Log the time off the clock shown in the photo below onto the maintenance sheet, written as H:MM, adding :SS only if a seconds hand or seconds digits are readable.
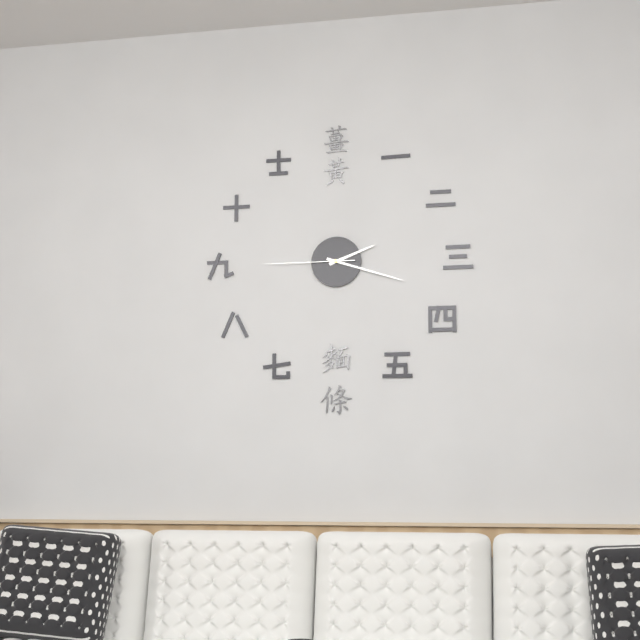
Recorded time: 2:18:45
